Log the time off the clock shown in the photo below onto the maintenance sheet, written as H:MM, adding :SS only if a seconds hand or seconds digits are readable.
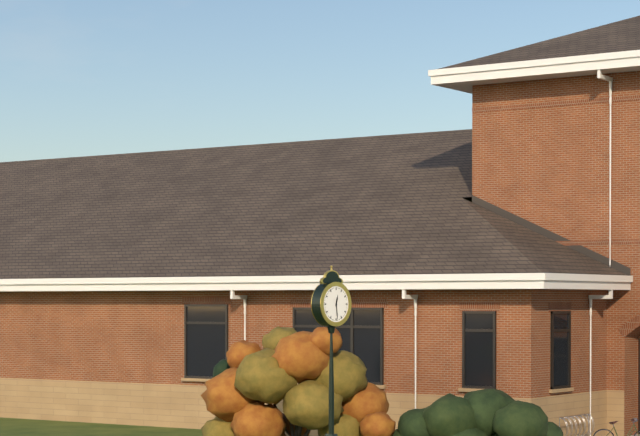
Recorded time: 12:29
